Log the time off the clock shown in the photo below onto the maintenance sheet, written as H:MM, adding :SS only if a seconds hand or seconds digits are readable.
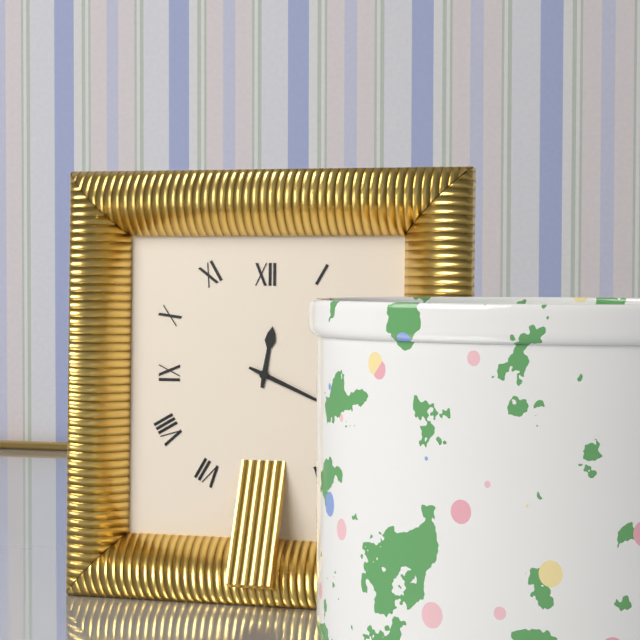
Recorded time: 12:19
